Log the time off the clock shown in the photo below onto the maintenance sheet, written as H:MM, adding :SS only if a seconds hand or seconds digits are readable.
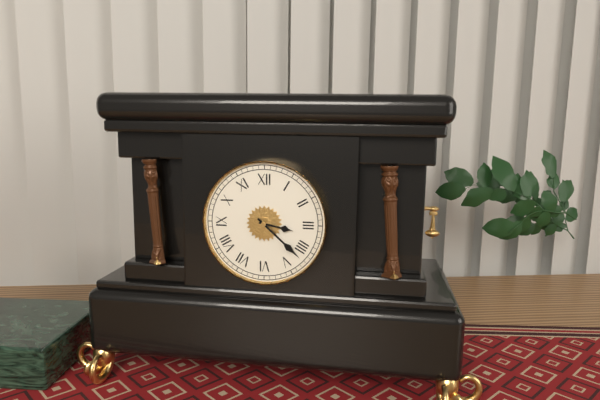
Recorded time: 3:22
